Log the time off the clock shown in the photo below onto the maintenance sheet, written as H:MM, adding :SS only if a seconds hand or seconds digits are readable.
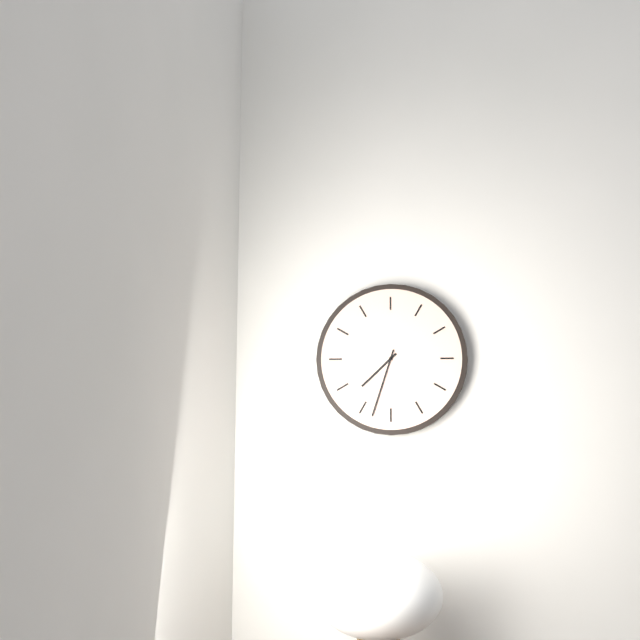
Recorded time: 7:33
